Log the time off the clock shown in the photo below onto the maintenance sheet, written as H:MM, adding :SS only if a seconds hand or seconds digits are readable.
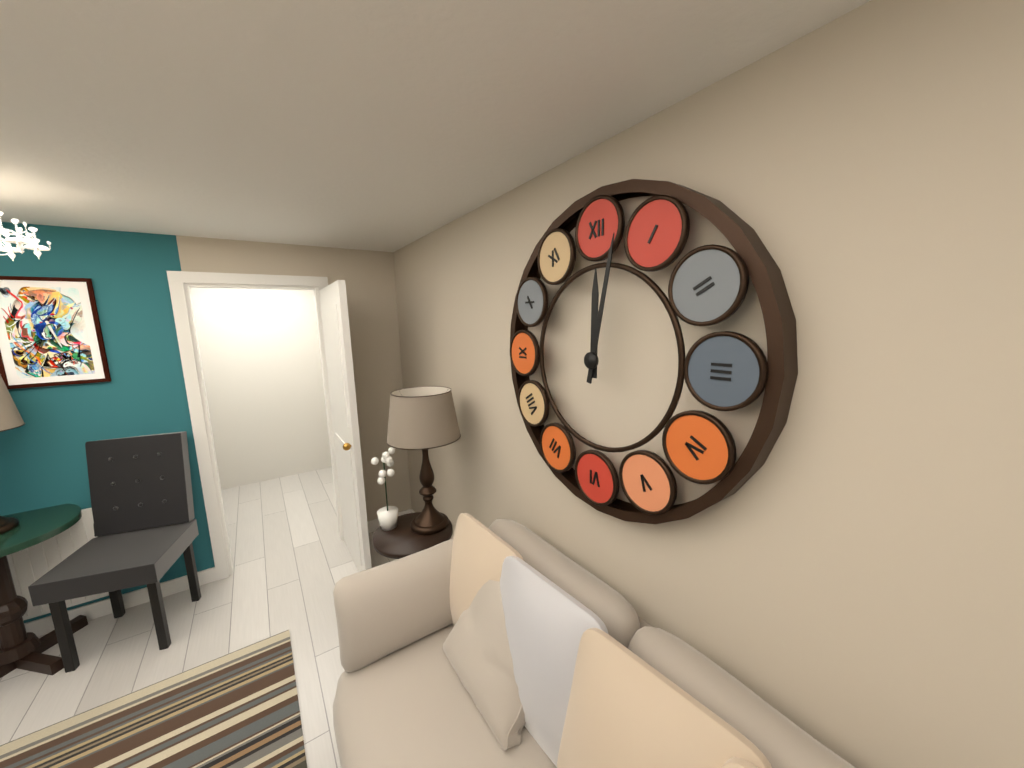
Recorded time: 12:02
